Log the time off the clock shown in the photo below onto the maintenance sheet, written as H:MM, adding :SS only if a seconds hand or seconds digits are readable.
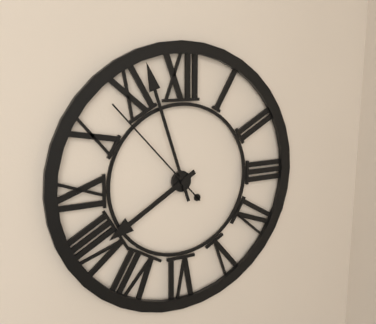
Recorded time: 7:57:53
